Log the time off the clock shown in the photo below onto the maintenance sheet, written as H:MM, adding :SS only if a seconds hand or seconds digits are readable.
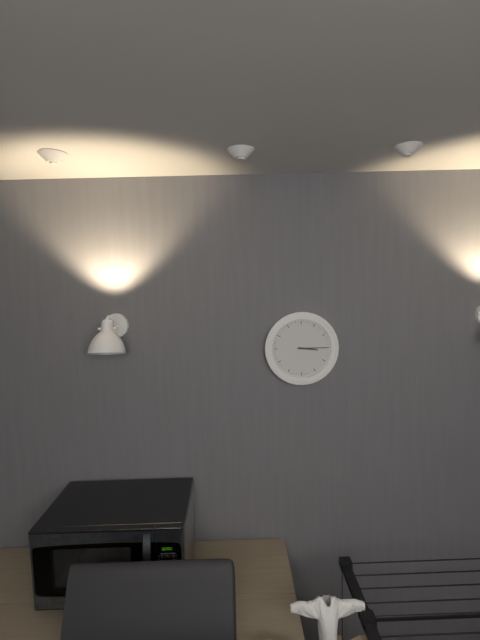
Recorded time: 3:15
